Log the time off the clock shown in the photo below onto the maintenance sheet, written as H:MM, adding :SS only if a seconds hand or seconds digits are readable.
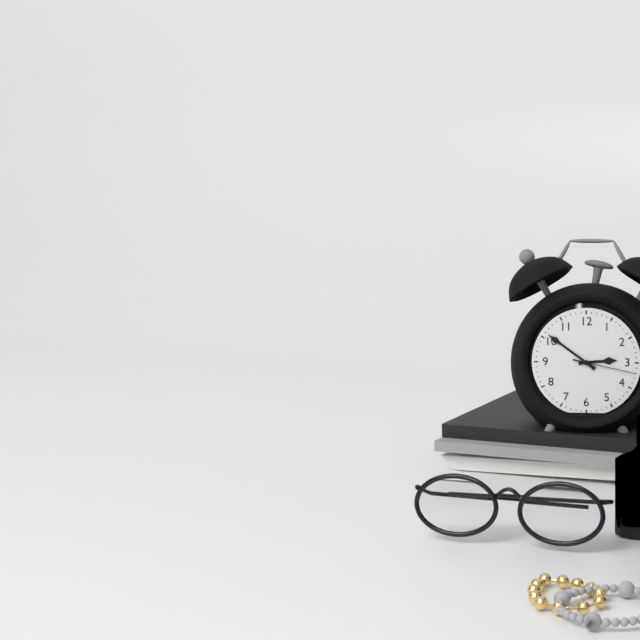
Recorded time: 2:51:17
